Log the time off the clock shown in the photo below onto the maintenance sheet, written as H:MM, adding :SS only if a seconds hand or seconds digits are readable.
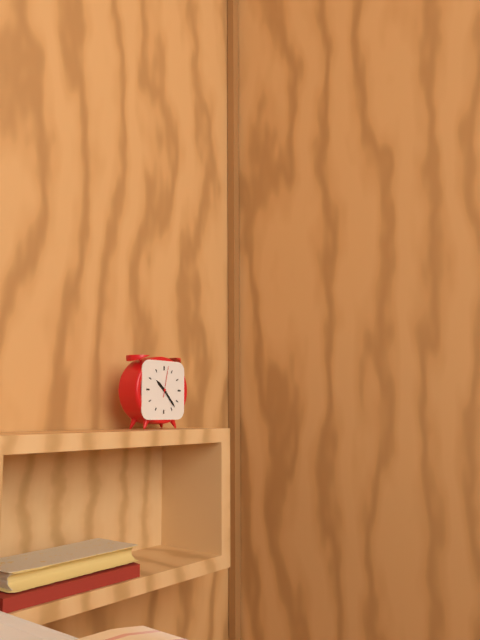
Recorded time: 10:23
